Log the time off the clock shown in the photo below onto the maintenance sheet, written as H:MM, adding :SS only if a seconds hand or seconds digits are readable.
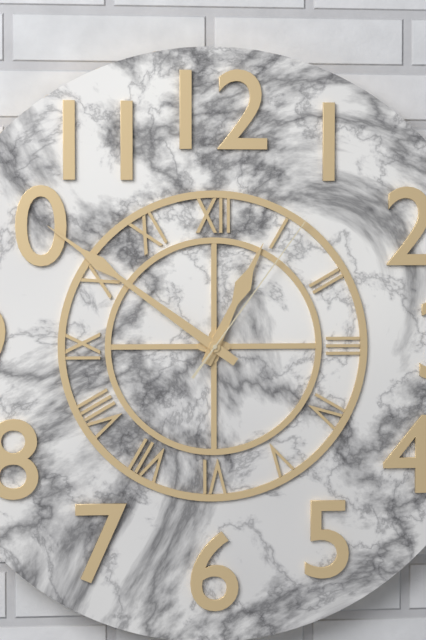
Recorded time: 12:51:06
